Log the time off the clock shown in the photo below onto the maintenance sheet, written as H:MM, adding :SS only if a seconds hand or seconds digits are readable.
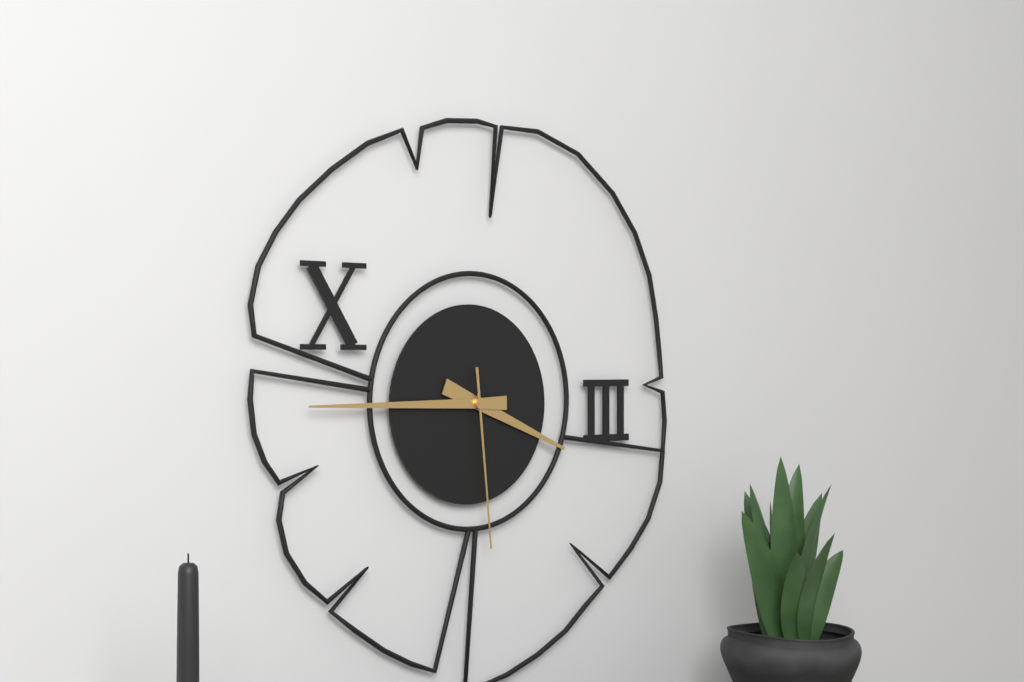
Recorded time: 3:45:29
